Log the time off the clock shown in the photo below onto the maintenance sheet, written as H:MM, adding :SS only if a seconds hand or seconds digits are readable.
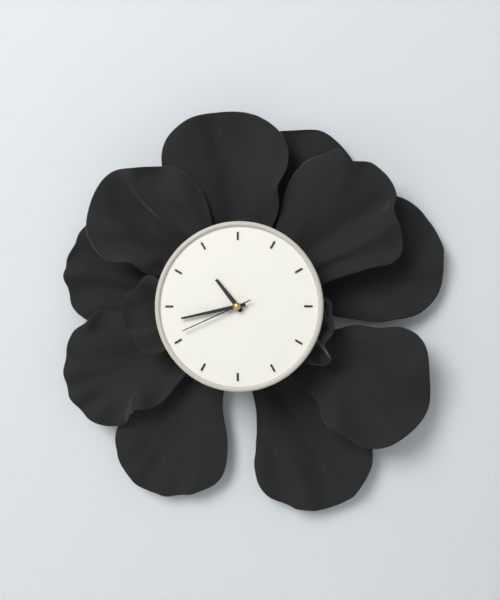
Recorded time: 10:43:41
